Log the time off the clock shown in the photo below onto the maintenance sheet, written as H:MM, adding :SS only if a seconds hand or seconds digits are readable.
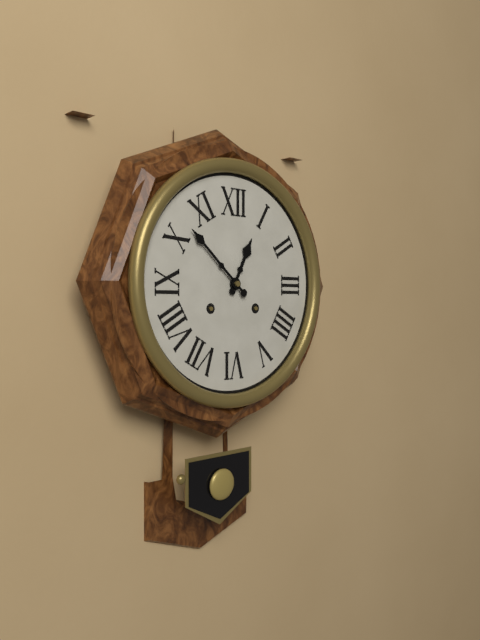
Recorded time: 12:52
